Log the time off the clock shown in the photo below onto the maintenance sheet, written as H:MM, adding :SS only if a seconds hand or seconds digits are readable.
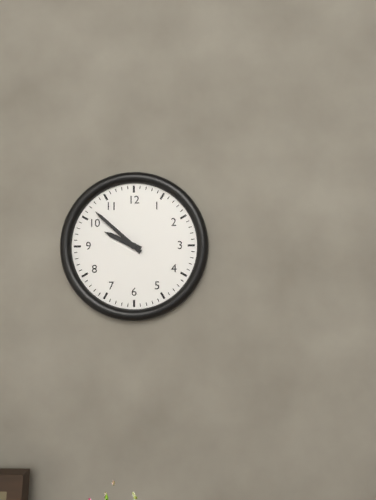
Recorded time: 9:52
